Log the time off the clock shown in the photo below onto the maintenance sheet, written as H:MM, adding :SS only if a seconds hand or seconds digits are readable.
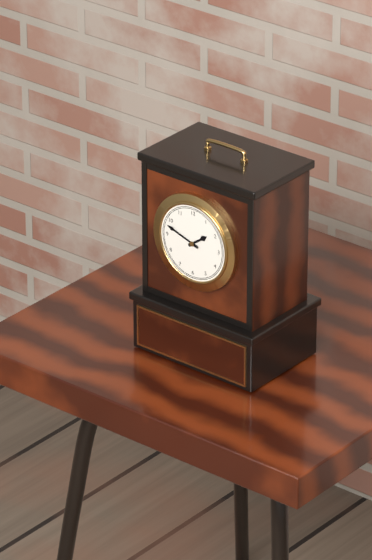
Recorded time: 1:48
